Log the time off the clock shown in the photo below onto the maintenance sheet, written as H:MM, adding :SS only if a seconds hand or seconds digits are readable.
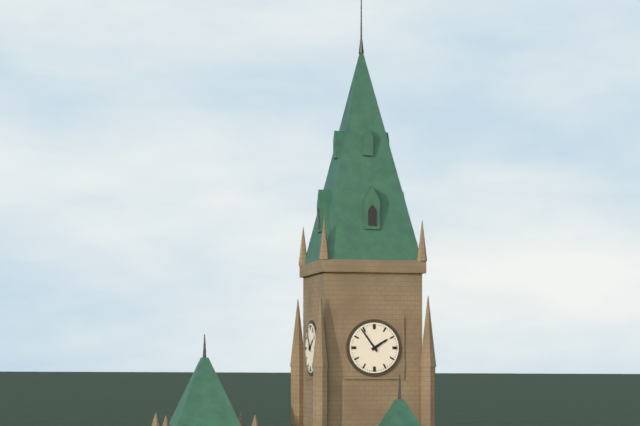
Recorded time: 1:54
